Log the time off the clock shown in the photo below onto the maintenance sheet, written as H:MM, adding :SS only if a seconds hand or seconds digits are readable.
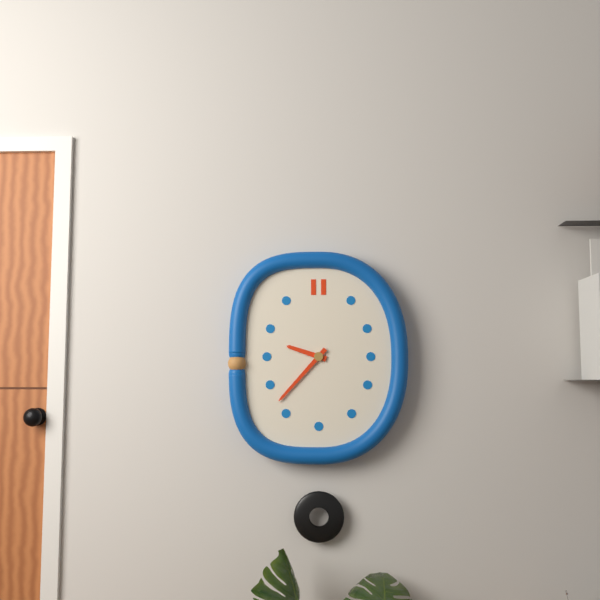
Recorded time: 9:37
